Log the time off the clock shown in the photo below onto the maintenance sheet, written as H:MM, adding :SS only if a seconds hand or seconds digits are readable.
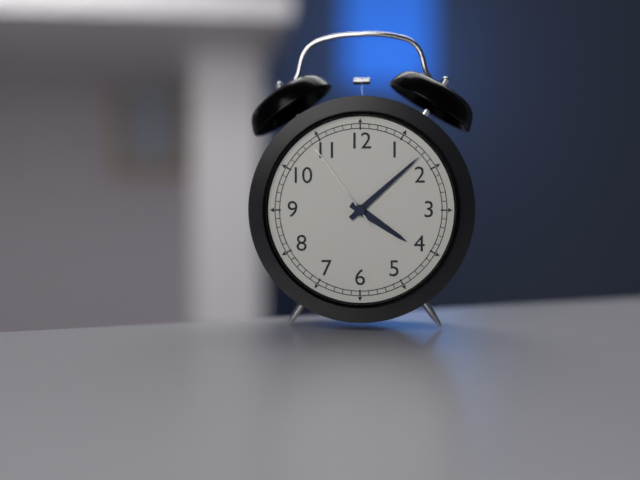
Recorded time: 4:08:54
